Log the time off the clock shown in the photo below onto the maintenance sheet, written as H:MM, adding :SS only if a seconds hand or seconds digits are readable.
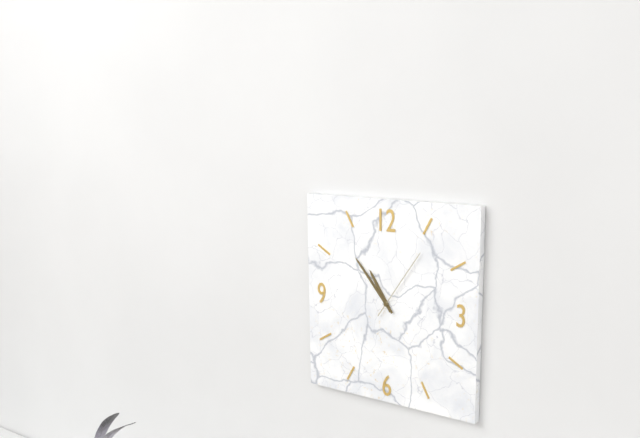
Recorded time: 10:53:06
